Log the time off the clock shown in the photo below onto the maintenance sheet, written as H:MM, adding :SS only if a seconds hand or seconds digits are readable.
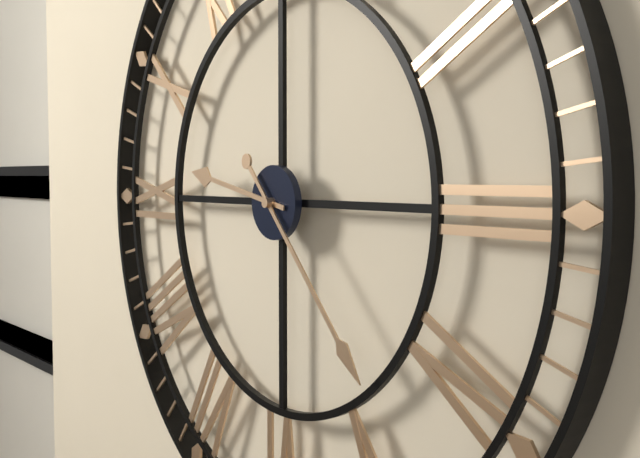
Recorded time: 9:23
